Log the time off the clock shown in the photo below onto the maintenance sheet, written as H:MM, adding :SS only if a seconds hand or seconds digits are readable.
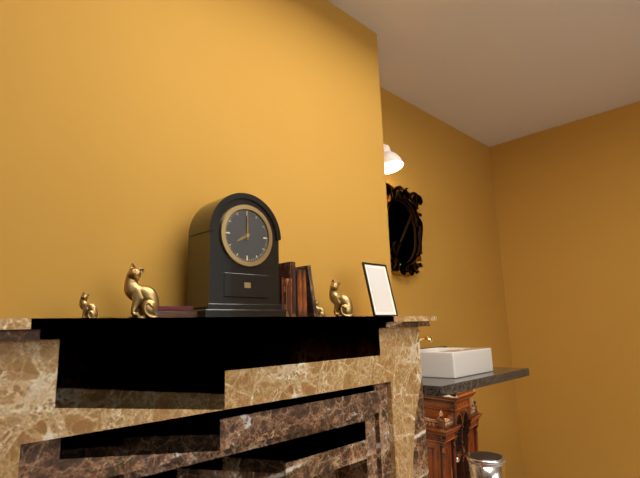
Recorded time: 8:00
